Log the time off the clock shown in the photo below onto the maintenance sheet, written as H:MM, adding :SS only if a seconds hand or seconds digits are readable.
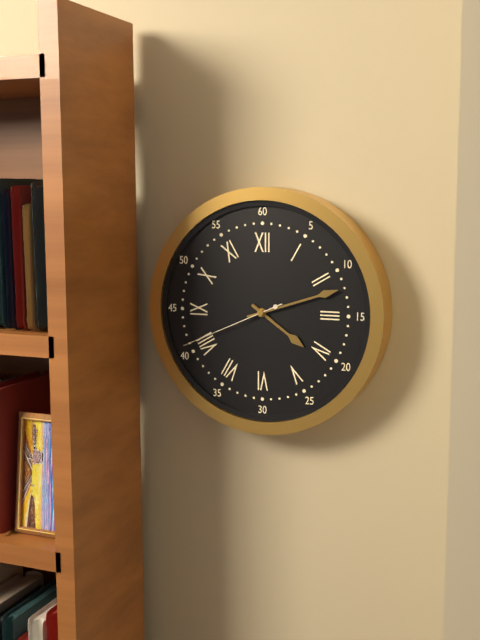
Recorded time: 4:12:41
